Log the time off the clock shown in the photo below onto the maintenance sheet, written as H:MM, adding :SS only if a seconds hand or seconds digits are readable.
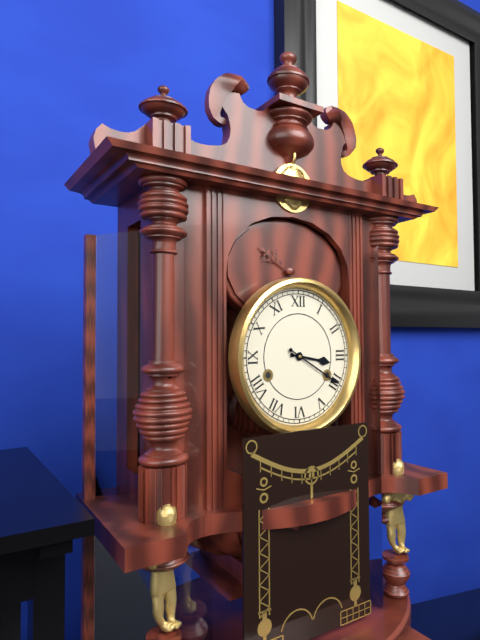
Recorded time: 3:20
